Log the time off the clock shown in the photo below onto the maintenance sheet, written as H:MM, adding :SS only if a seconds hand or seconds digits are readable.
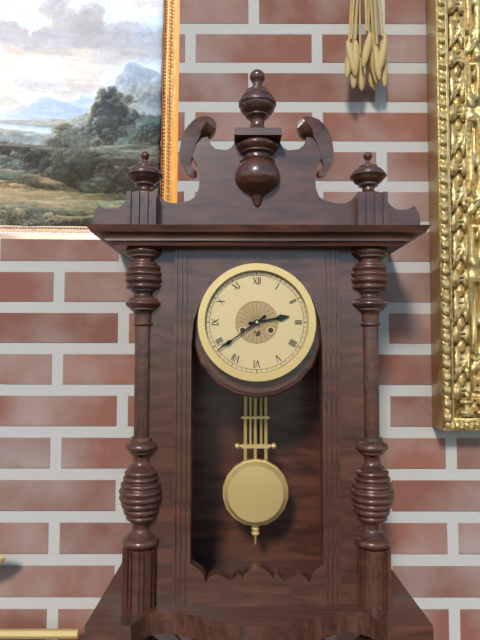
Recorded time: 2:39
